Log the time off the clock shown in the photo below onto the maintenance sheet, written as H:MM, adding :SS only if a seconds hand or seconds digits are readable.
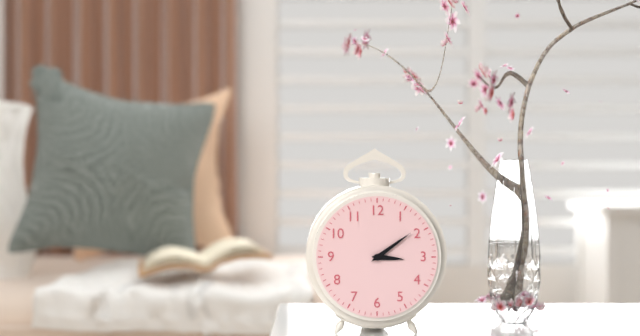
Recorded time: 3:09
